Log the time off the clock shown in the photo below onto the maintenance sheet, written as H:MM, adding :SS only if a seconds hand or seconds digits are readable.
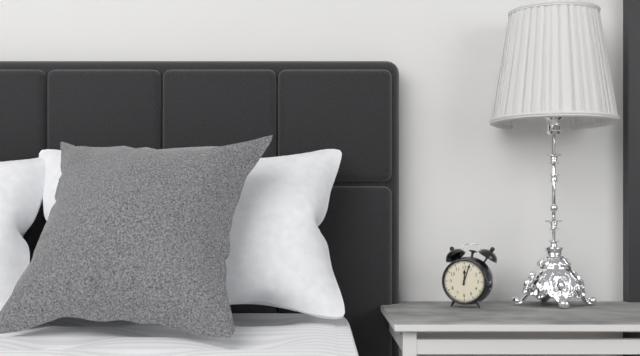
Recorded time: 12:03
